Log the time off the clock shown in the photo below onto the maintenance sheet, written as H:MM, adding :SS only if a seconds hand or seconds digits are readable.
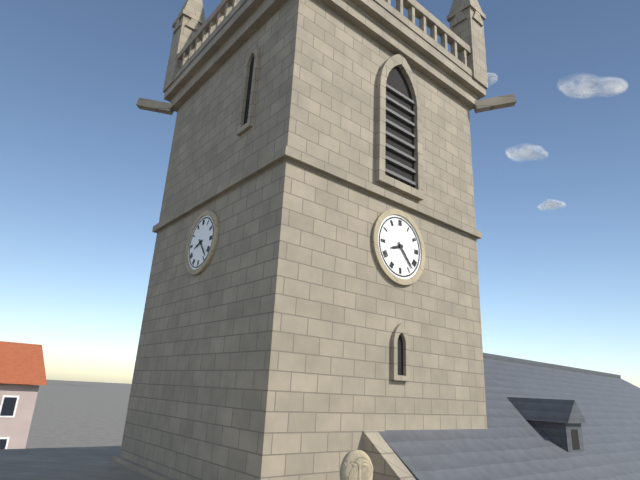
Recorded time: 8:23
